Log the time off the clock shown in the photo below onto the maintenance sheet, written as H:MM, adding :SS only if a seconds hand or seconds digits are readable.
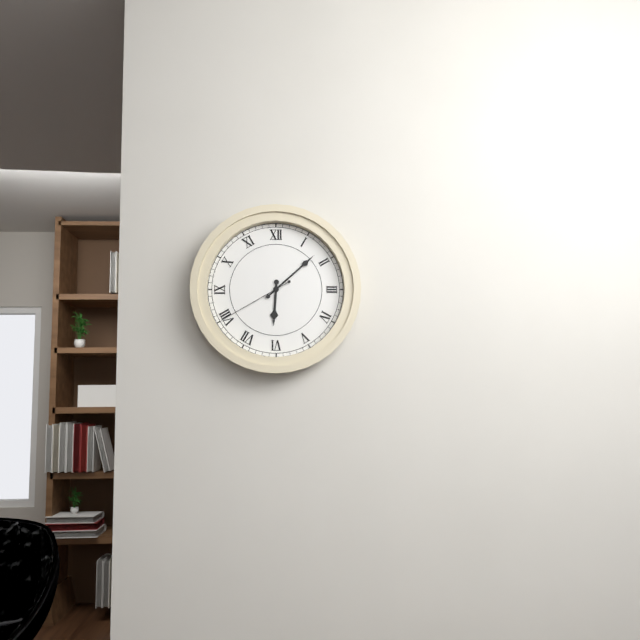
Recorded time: 6:08:40
